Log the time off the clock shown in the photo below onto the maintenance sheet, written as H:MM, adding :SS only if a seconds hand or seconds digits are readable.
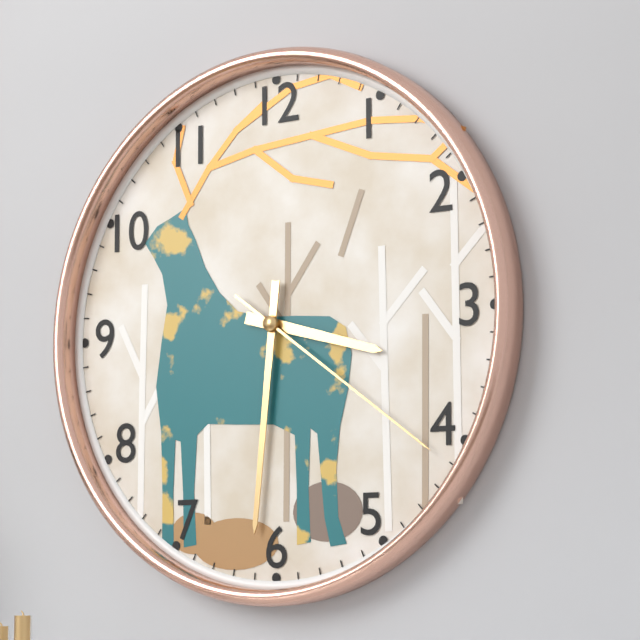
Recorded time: 3:31:21
